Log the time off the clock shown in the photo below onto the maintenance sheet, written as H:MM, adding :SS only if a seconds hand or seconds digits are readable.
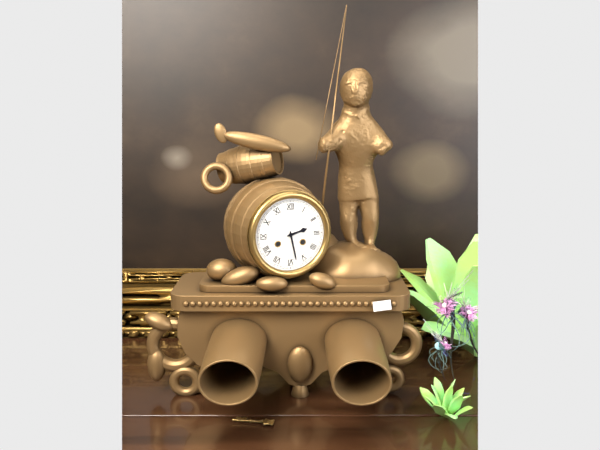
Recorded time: 2:28
